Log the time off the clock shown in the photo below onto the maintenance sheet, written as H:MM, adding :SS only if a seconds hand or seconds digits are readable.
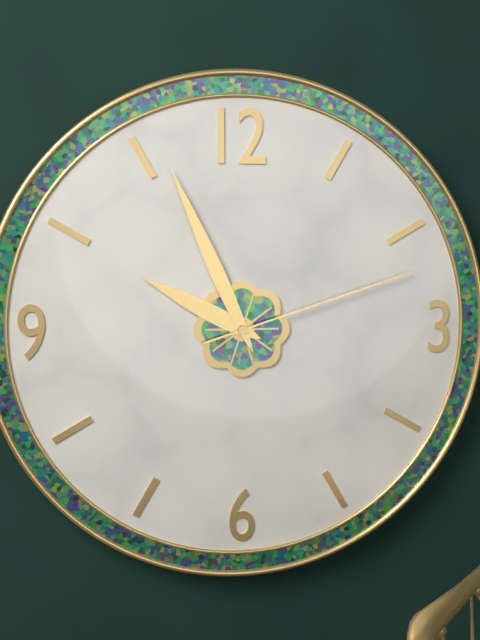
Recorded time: 9:56:12
